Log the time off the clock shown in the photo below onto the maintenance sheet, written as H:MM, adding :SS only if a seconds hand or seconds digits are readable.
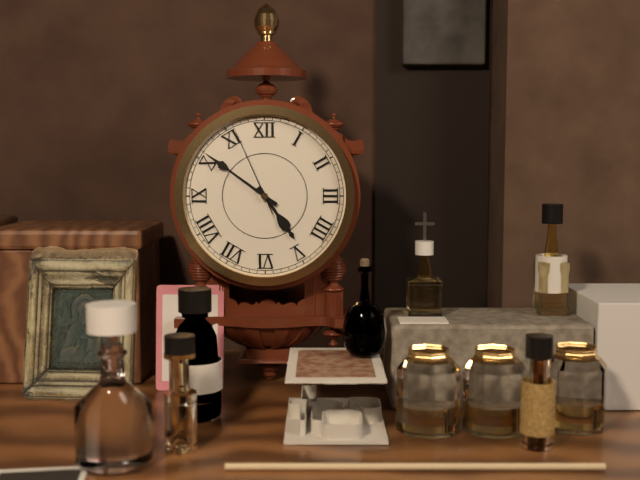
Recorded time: 4:51:56
